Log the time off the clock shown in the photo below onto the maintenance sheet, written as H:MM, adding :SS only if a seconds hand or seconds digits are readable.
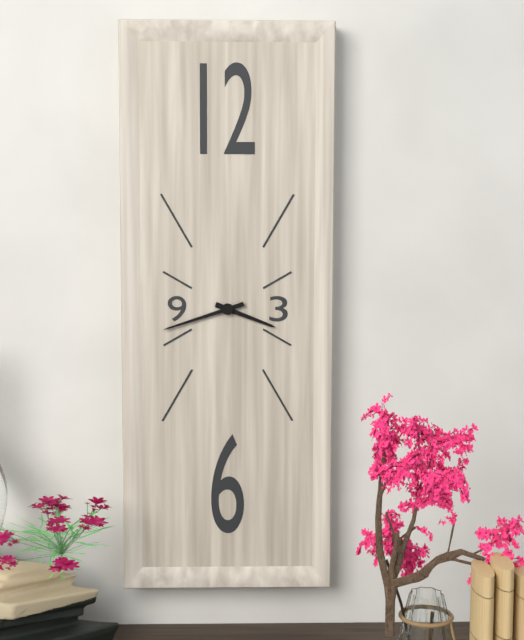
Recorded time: 3:42
